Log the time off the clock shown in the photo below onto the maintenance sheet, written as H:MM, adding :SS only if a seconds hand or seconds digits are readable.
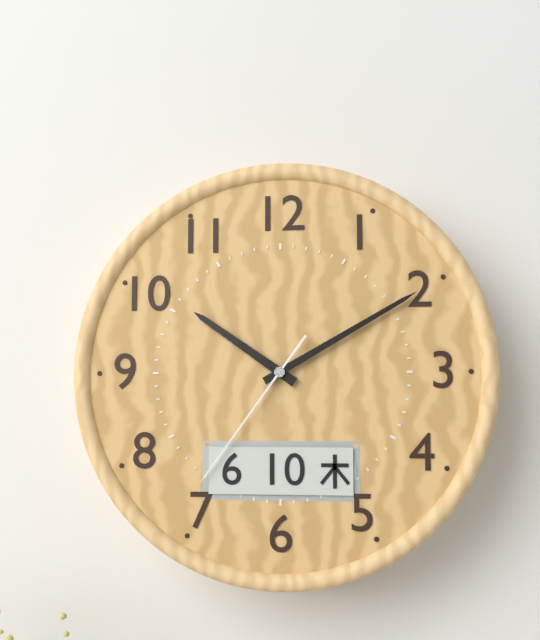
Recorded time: 10:10:36
